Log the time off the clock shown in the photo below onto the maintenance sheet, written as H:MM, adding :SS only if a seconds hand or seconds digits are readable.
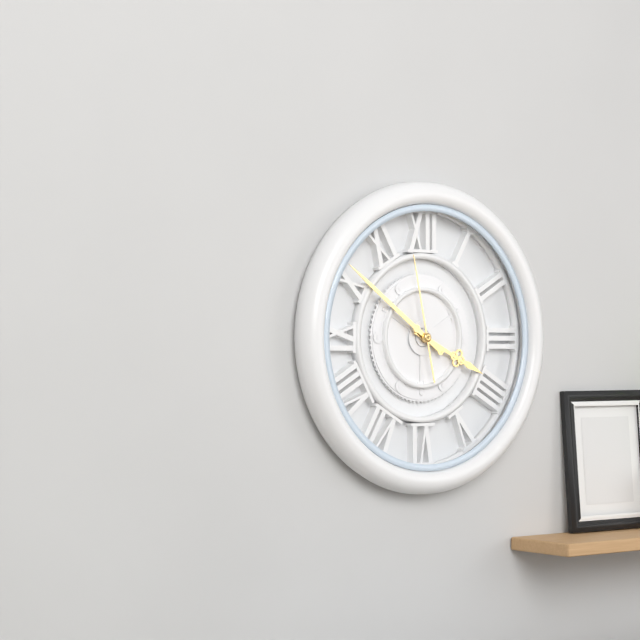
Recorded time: 3:51:58
